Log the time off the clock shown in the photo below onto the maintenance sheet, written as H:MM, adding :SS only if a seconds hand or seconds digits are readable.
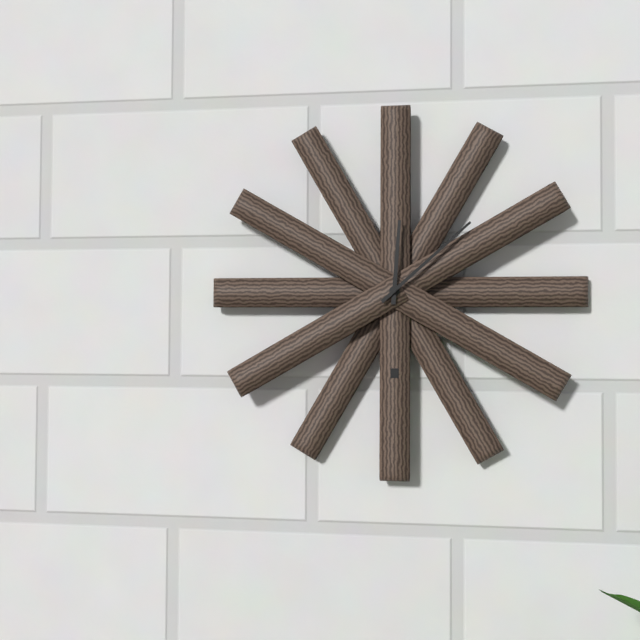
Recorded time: 12:08
